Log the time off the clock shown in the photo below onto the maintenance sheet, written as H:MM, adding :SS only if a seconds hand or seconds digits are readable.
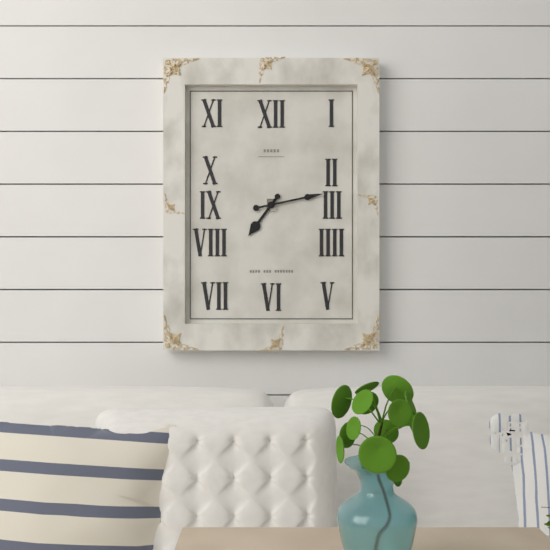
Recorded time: 7:13
